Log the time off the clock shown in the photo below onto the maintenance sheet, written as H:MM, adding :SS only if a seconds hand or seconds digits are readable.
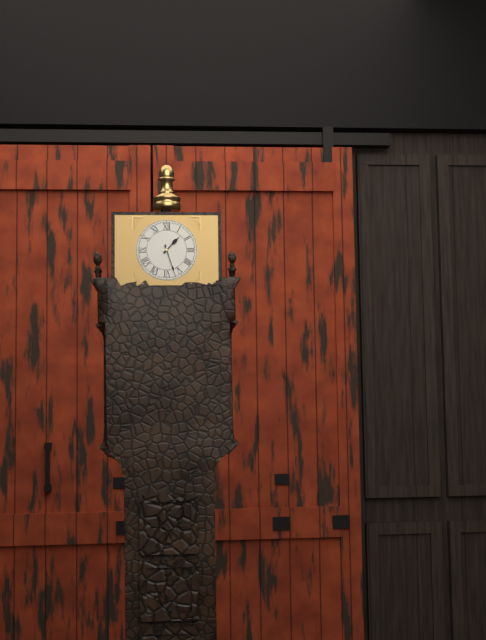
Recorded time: 1:27
